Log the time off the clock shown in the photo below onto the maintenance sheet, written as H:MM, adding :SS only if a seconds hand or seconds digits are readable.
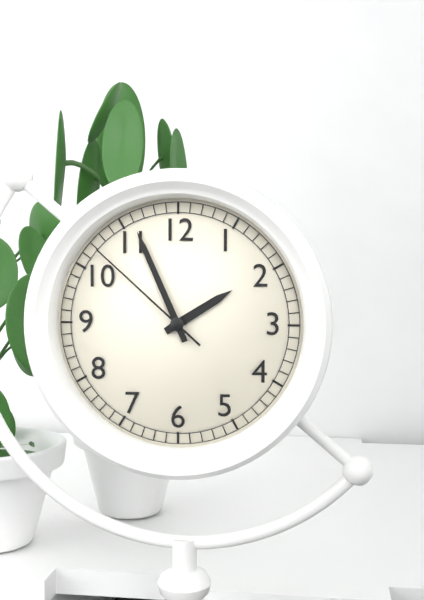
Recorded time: 1:56:52
